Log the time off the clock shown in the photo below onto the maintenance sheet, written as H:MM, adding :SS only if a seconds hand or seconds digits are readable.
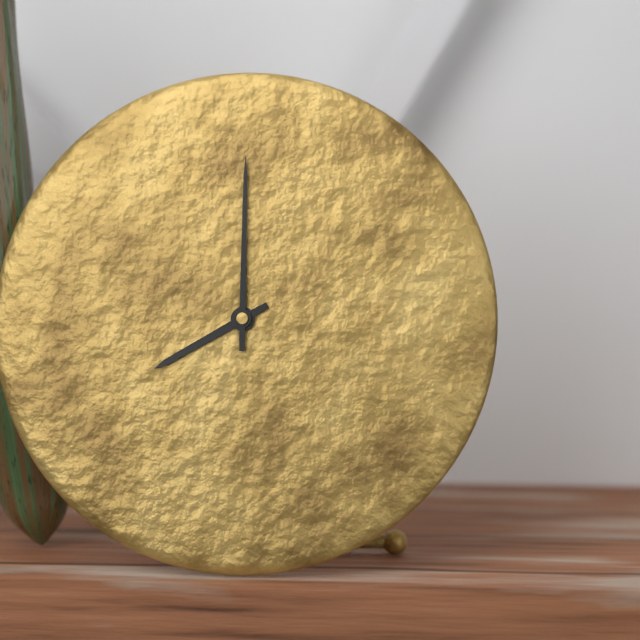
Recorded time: 8:00
